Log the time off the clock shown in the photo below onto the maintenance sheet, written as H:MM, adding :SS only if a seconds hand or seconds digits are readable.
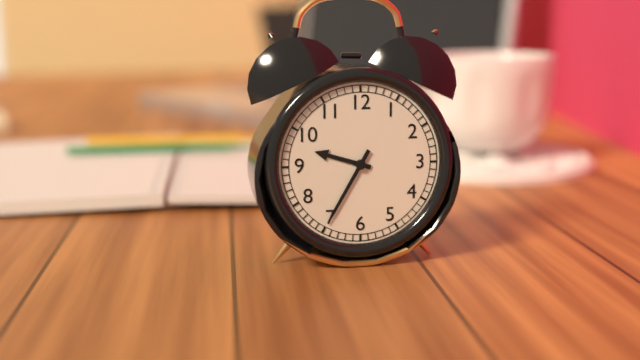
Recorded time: 9:35
